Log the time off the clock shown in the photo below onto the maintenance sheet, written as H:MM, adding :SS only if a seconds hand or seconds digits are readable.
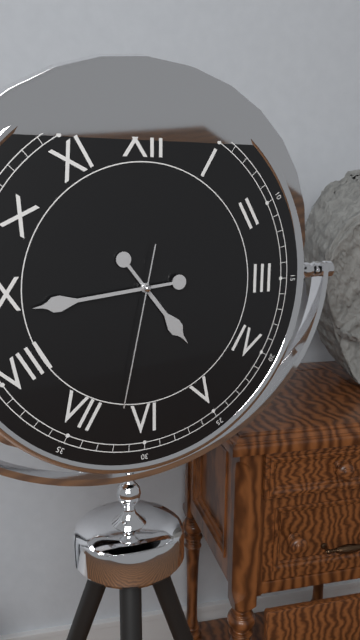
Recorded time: 4:44:32
